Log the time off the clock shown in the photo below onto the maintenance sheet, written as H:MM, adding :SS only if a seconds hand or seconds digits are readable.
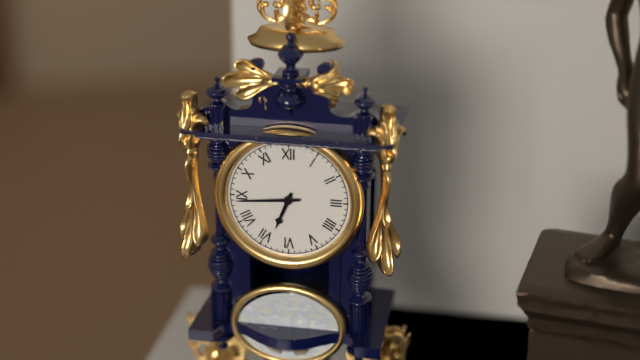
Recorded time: 6:44
